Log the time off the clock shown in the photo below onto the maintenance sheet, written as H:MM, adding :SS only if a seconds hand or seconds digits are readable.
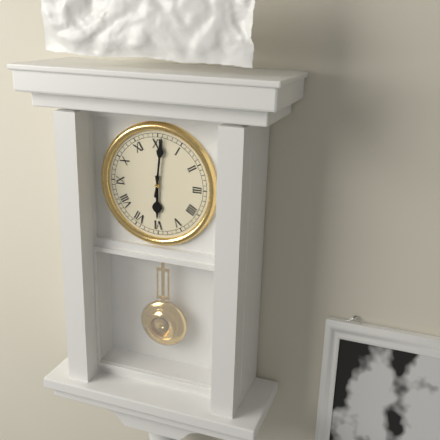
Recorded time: 6:01
